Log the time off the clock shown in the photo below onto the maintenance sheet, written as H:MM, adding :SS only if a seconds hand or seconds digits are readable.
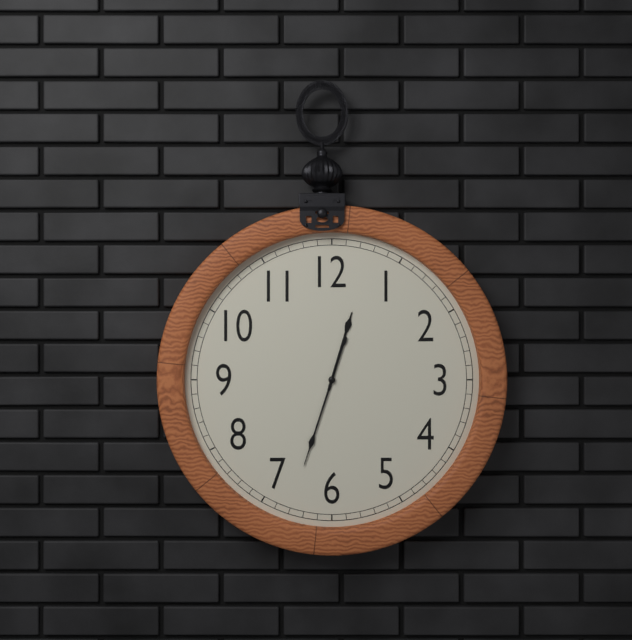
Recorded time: 12:33
